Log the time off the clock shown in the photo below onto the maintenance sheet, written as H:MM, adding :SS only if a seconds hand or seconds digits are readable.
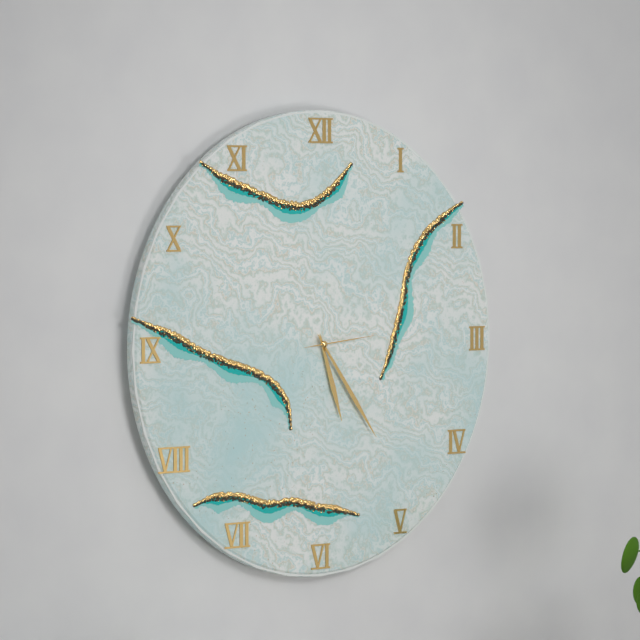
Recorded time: 5:24:14
